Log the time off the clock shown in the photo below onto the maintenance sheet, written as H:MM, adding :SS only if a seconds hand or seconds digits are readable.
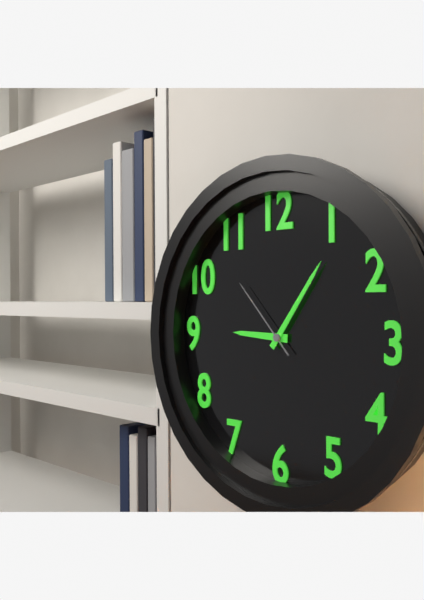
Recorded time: 9:06:53
